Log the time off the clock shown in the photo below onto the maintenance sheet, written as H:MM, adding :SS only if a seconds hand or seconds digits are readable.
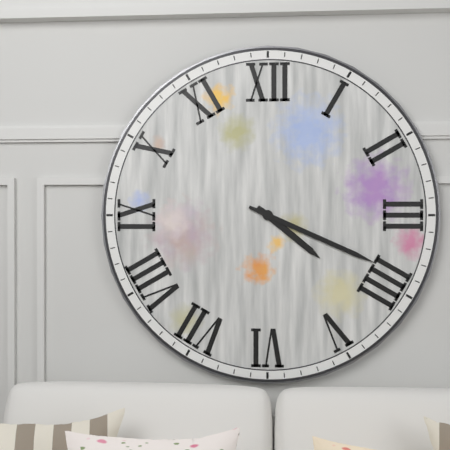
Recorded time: 4:19
